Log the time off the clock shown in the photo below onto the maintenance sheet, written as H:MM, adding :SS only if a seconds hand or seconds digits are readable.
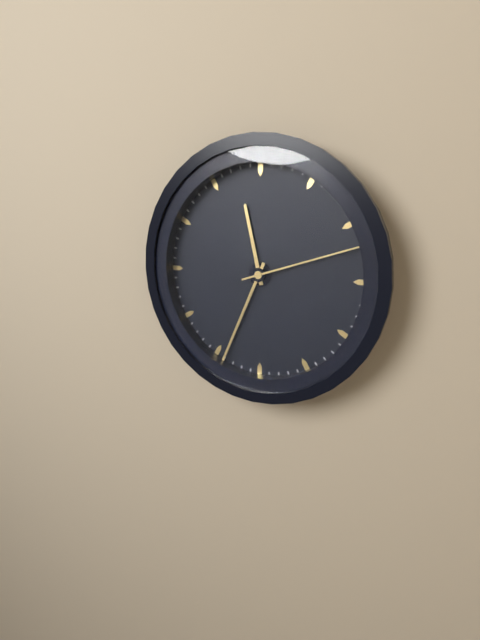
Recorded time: 11:34:12
